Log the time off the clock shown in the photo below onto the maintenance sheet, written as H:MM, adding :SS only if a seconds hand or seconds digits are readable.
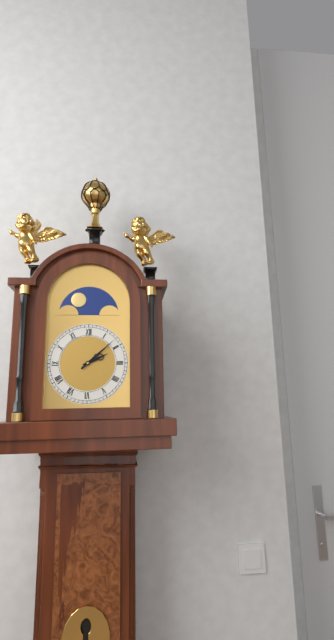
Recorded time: 2:08
